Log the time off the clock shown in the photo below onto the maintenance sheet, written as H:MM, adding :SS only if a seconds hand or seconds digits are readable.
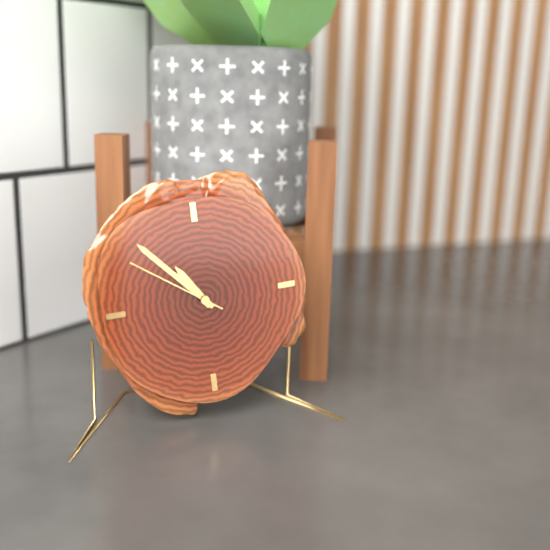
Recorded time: 10:53:51
